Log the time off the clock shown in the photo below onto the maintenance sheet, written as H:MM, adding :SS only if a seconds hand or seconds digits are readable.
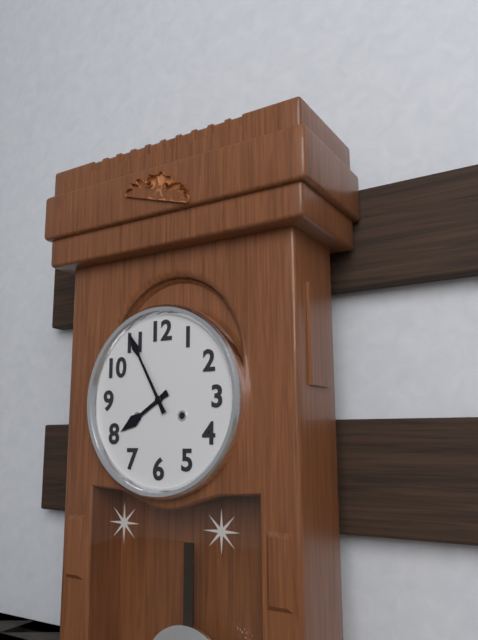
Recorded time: 7:55
